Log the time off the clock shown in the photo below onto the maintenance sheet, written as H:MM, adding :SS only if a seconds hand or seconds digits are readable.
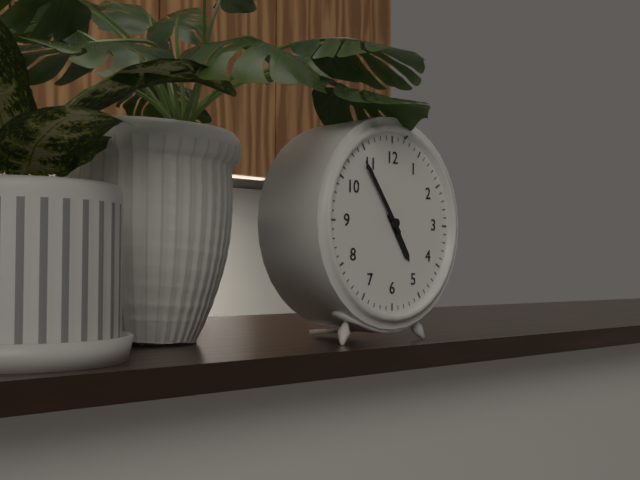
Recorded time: 4:54
